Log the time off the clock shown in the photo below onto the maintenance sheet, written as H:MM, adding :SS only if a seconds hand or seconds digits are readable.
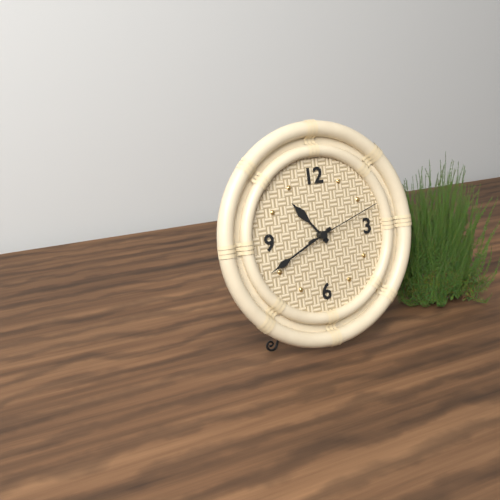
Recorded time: 10:41:12
